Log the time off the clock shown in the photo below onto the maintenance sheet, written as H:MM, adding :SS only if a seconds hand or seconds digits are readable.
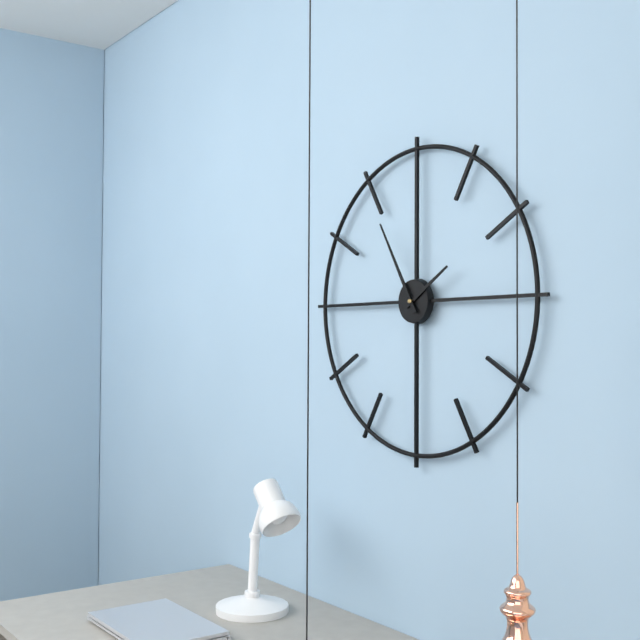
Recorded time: 1:55
